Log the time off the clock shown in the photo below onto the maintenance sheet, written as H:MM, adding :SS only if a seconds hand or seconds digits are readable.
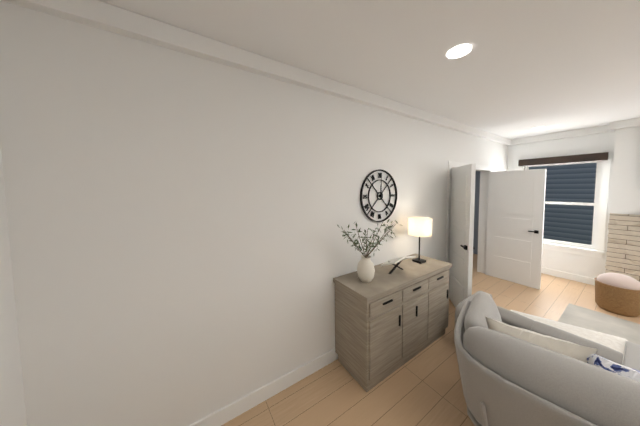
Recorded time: 12:00
